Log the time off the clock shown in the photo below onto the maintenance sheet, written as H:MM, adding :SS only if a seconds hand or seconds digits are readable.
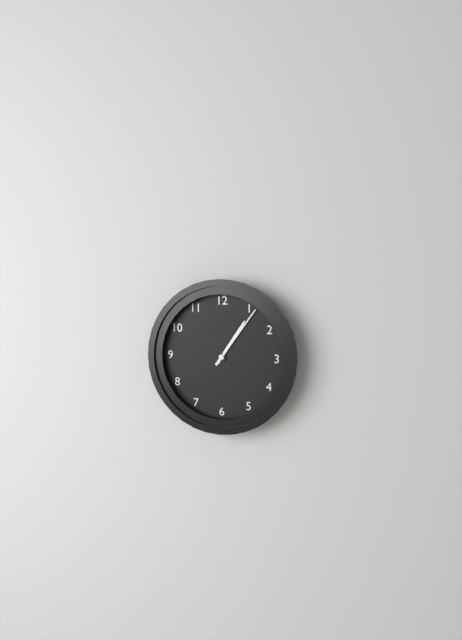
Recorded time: 1:06
